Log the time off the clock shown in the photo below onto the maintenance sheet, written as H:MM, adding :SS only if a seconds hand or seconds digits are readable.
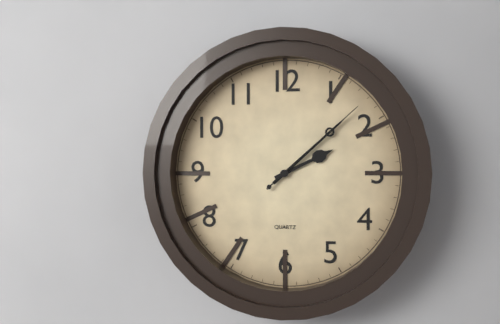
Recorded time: 2:08:08
